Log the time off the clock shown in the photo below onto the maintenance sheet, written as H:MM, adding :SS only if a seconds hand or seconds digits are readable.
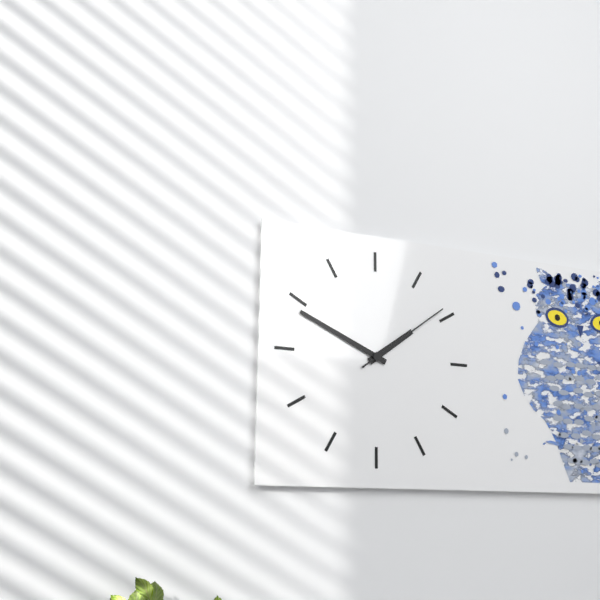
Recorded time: 1:49:09
